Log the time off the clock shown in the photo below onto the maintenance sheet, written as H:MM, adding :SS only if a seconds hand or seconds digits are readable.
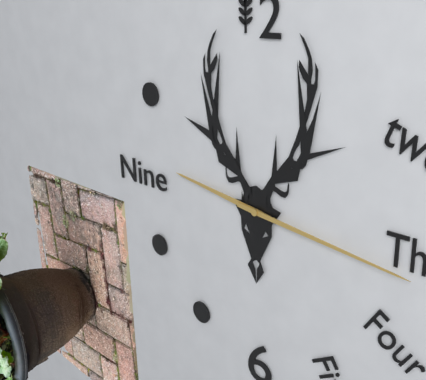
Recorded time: 9:16
